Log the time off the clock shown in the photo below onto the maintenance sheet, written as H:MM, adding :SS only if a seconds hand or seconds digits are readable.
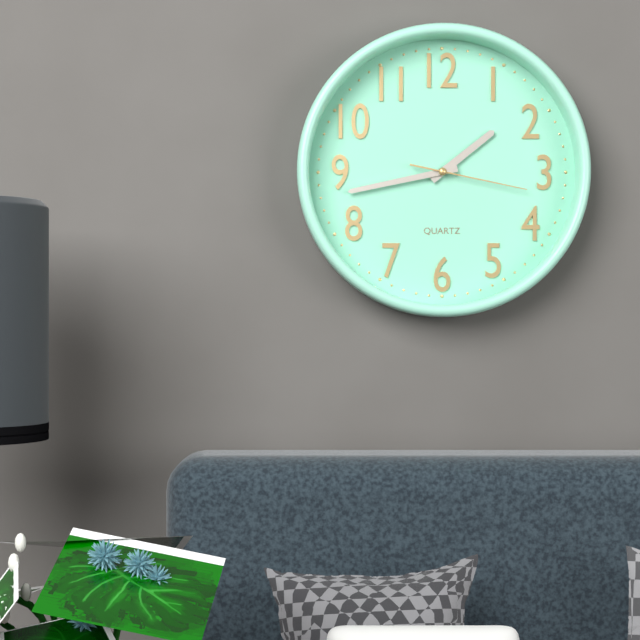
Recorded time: 1:43:17
